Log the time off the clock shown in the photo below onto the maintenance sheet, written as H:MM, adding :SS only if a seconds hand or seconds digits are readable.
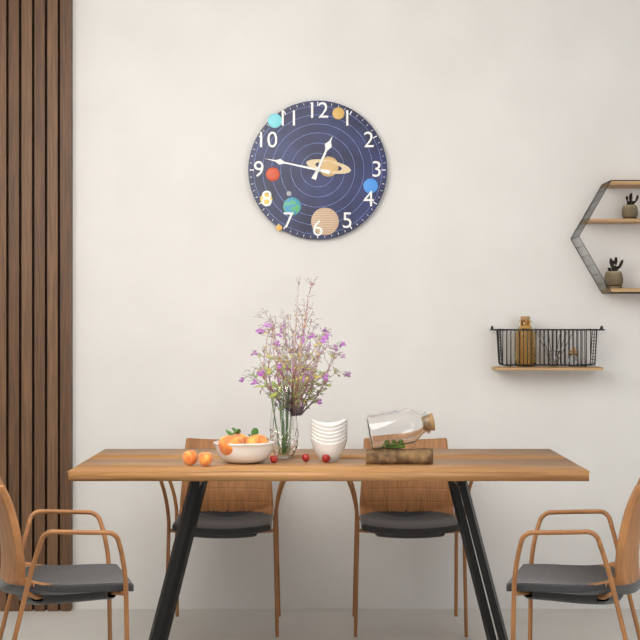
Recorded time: 12:47
